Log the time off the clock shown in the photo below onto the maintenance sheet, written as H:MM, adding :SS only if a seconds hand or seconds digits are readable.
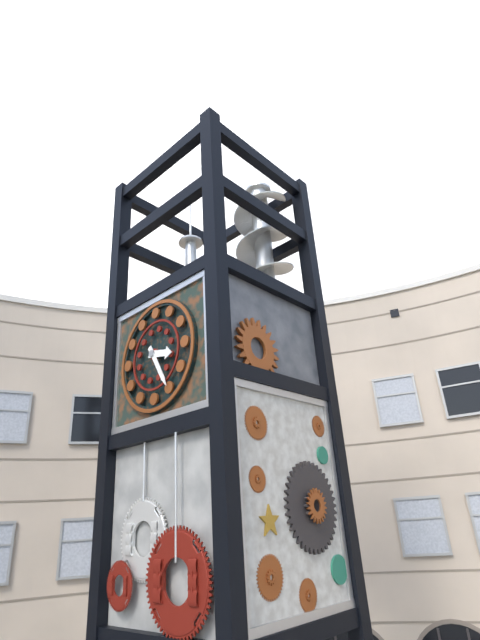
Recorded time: 3:25
